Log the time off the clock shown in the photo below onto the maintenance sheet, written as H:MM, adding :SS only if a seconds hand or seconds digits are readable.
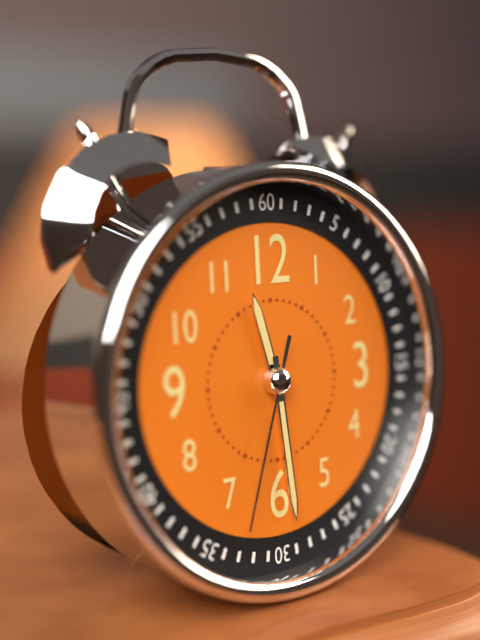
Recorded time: 11:29:33
